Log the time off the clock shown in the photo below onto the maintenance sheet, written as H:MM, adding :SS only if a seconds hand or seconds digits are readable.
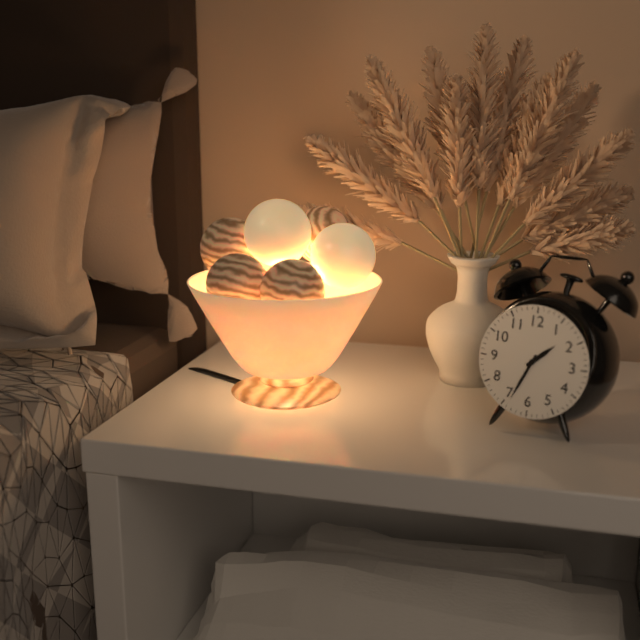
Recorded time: 1:34
